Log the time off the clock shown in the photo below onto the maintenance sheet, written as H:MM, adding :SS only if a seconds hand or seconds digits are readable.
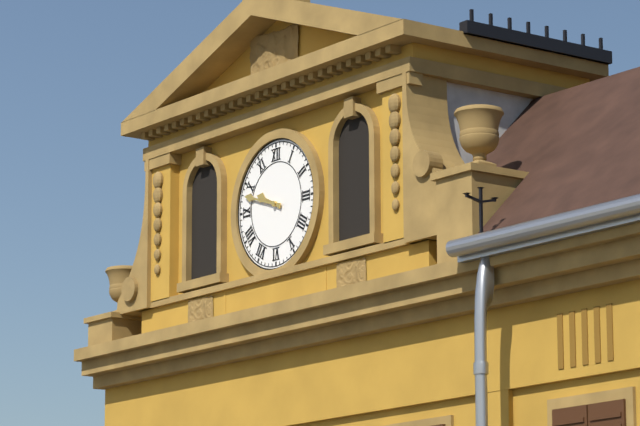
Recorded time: 9:48
